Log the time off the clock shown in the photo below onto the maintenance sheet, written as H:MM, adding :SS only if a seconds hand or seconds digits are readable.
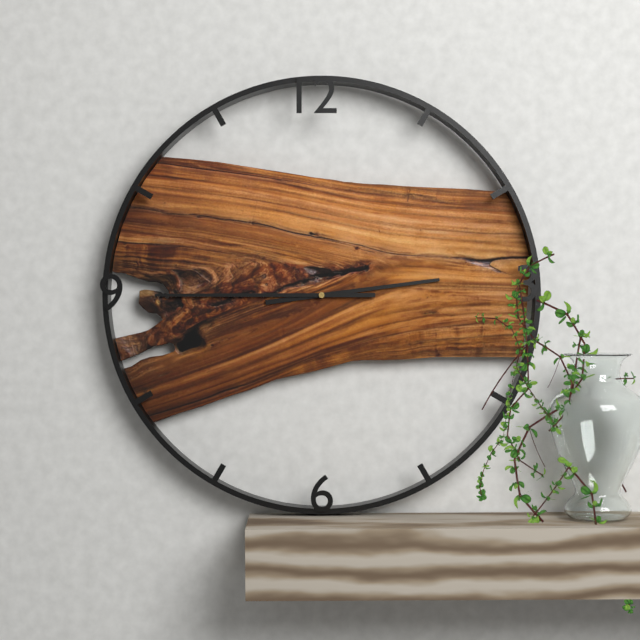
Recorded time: 2:45
